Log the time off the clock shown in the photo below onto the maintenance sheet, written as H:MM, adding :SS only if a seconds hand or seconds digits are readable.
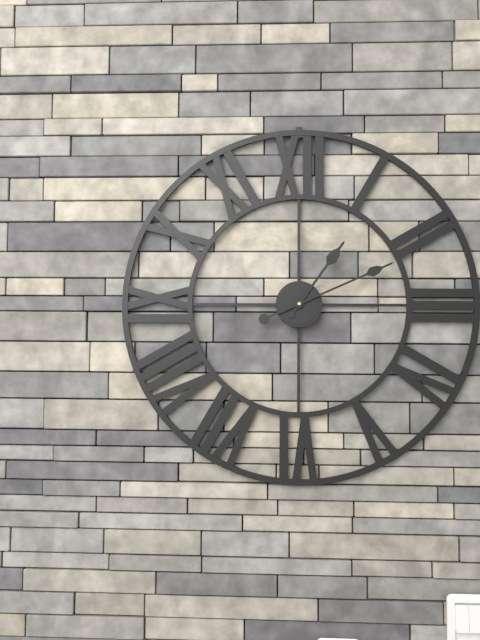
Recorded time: 1:11
